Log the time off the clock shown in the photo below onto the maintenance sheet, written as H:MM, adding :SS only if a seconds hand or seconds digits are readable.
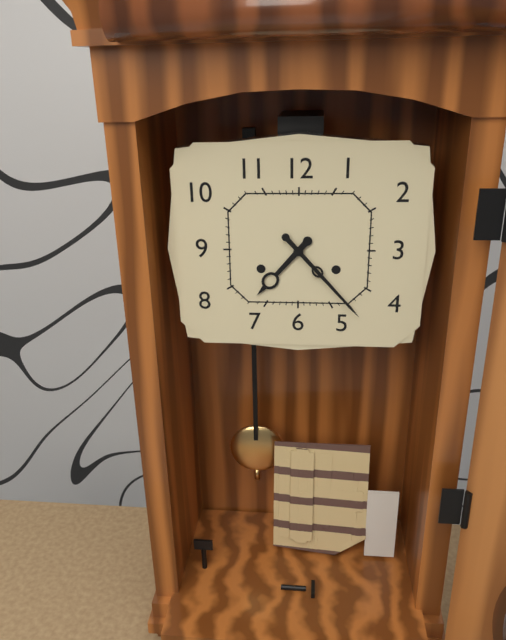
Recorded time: 7:23
